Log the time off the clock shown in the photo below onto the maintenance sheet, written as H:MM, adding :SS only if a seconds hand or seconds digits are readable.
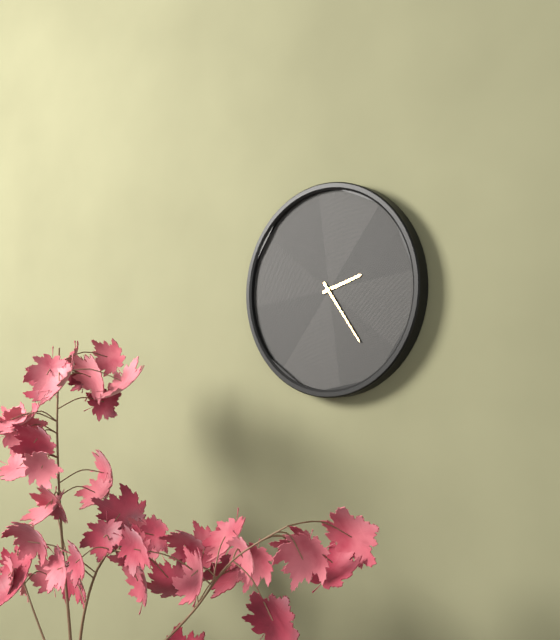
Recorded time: 2:24
